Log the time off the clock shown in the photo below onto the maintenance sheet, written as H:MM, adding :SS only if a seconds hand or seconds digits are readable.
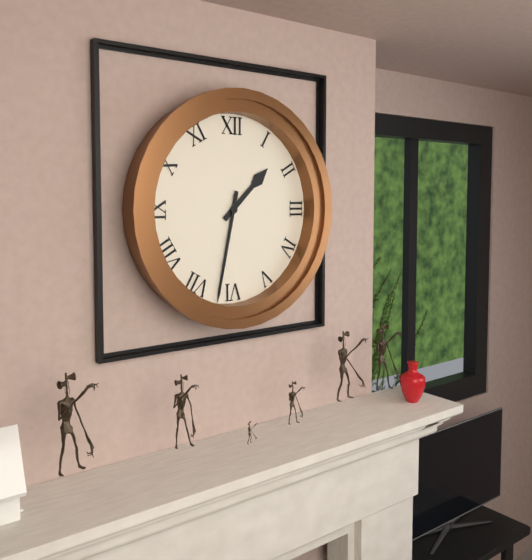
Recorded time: 1:32
